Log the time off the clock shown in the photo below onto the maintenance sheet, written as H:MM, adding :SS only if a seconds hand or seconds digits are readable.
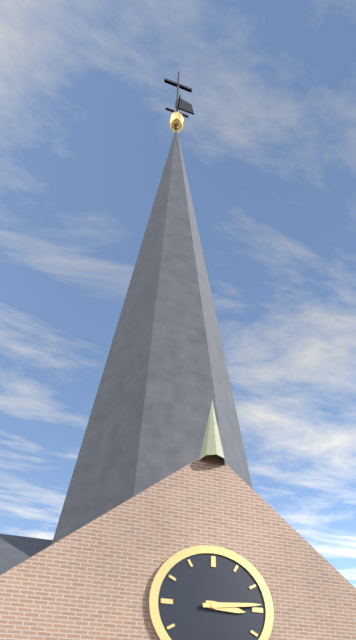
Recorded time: 3:14
